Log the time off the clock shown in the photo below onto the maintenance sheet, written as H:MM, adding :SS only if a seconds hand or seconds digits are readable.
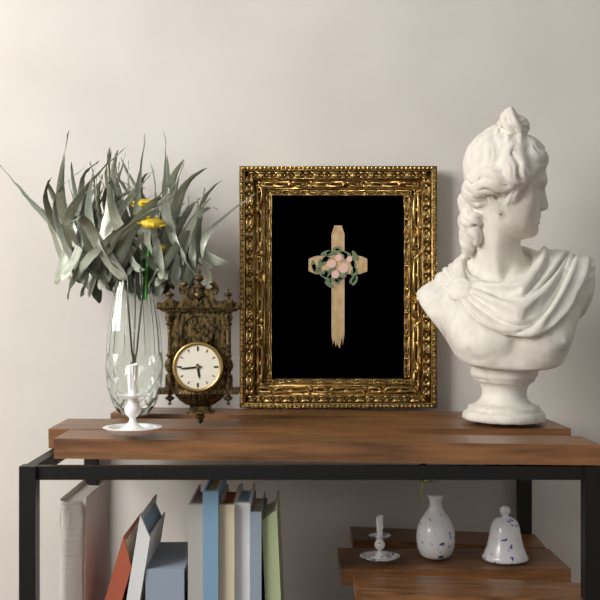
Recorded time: 5:44
